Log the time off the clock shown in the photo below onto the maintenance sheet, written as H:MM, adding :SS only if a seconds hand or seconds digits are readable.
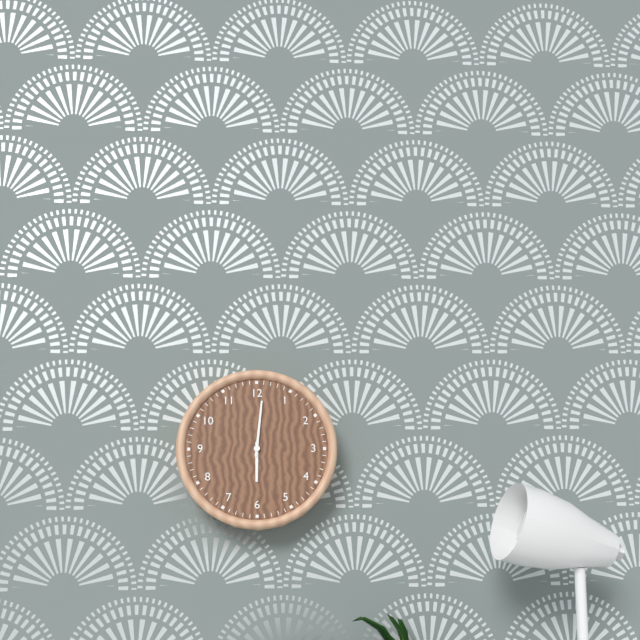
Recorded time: 6:01
